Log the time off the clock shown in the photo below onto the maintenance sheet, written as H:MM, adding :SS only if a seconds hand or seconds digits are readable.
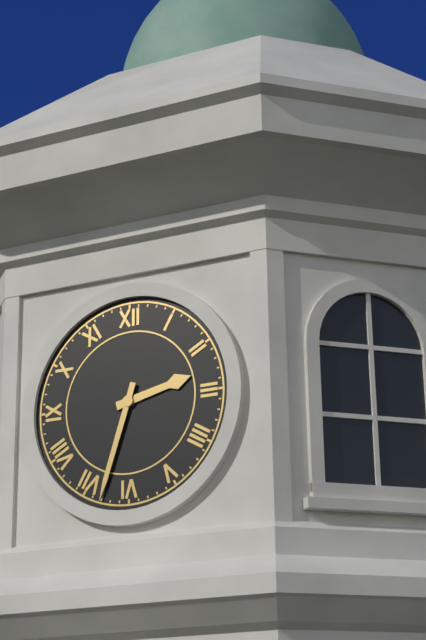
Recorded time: 2:33
